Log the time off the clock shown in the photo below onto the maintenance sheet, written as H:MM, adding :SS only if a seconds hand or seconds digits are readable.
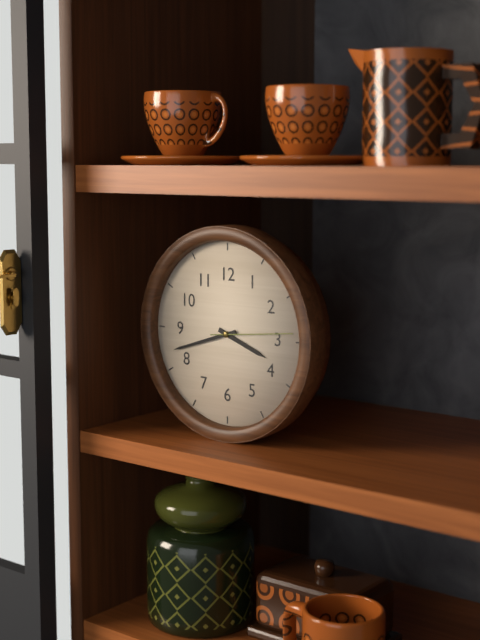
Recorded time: 3:42:14
